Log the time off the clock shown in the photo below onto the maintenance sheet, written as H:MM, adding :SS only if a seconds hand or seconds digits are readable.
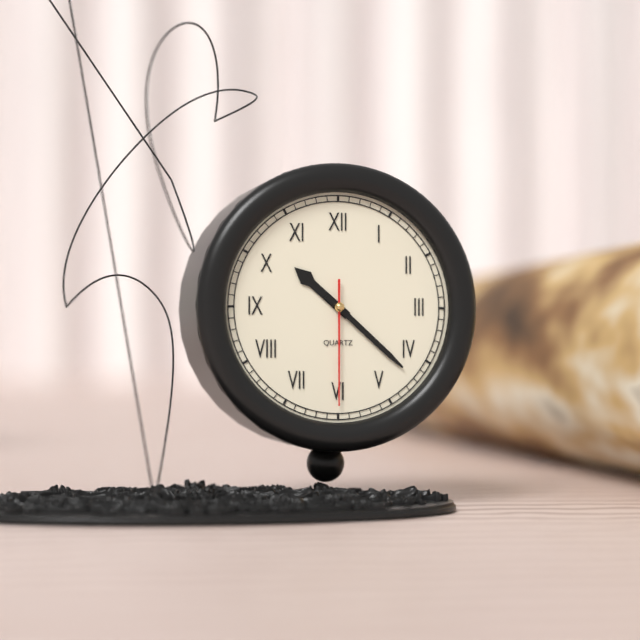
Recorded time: 10:22:30
